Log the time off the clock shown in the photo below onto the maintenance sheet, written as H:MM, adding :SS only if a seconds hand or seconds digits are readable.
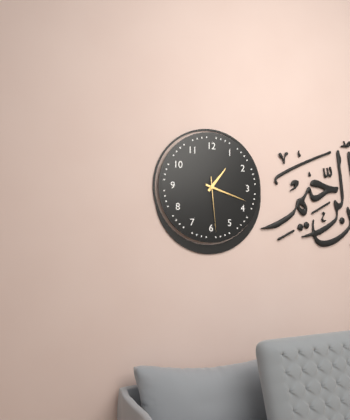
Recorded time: 1:18:29
